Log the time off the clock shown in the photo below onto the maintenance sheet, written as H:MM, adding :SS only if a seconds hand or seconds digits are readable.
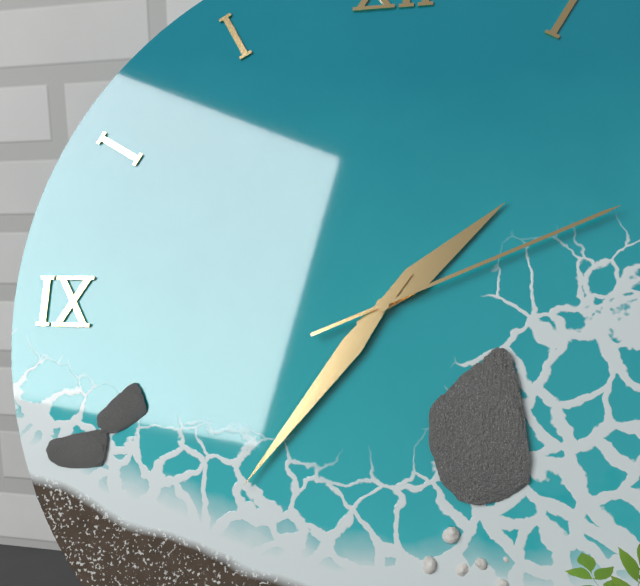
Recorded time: 1:36:11
